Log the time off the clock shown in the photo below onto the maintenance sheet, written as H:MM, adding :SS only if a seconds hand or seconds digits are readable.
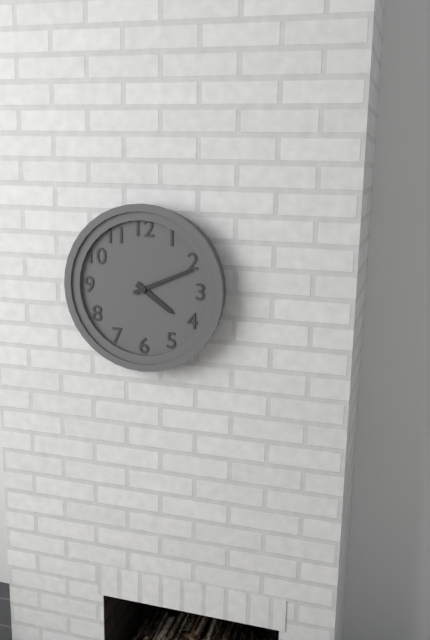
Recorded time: 4:11
